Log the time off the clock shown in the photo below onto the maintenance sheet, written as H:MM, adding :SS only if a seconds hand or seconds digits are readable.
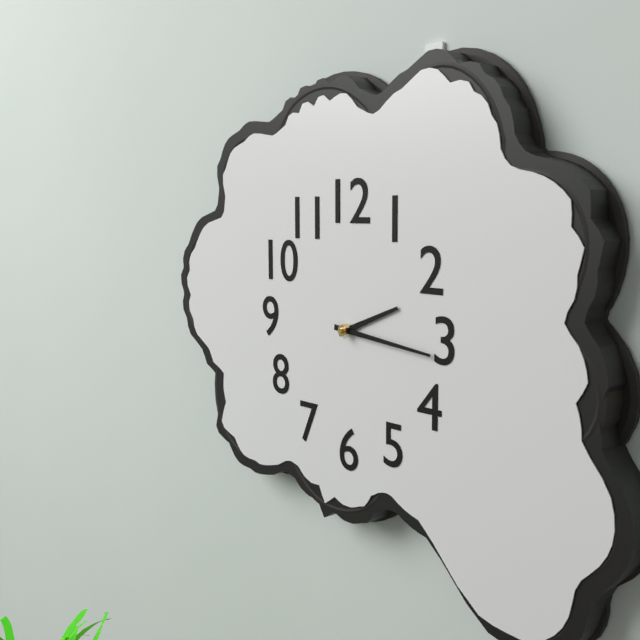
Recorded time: 2:16
